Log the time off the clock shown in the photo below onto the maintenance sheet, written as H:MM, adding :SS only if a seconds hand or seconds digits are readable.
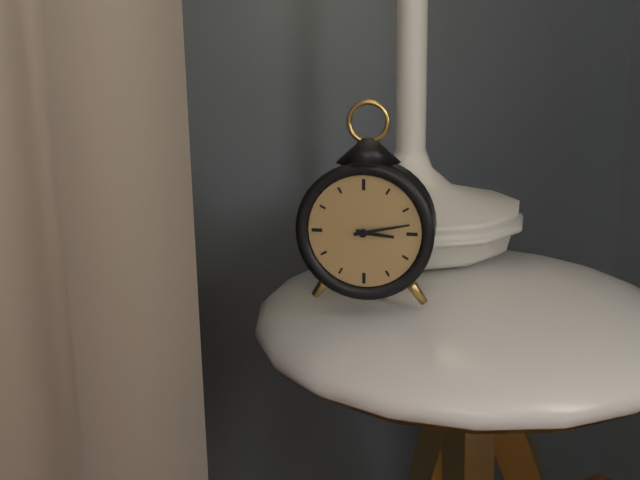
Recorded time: 3:13
